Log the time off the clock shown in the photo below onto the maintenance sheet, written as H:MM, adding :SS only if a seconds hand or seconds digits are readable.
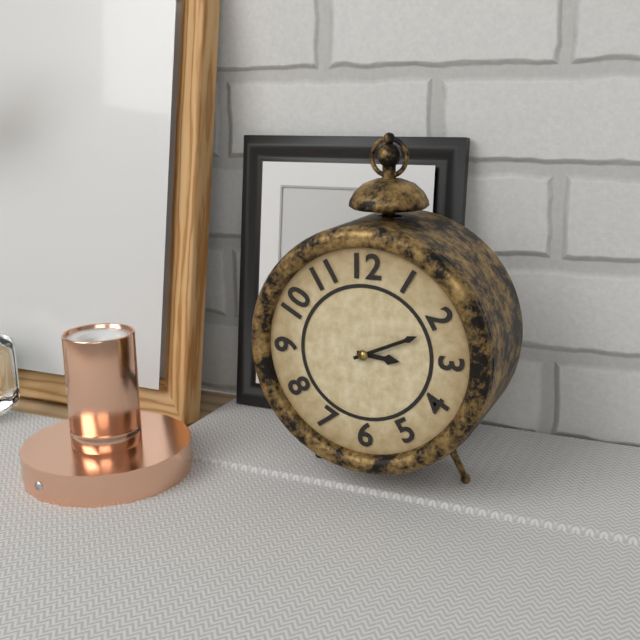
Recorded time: 3:11
